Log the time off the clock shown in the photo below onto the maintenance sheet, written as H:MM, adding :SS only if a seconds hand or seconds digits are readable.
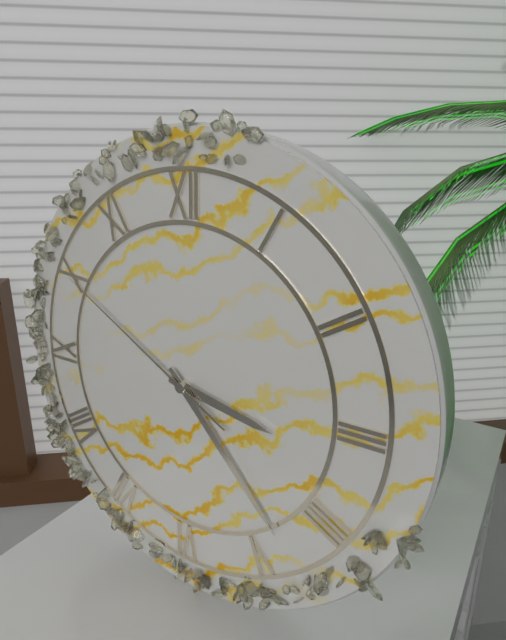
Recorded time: 3:23:50
